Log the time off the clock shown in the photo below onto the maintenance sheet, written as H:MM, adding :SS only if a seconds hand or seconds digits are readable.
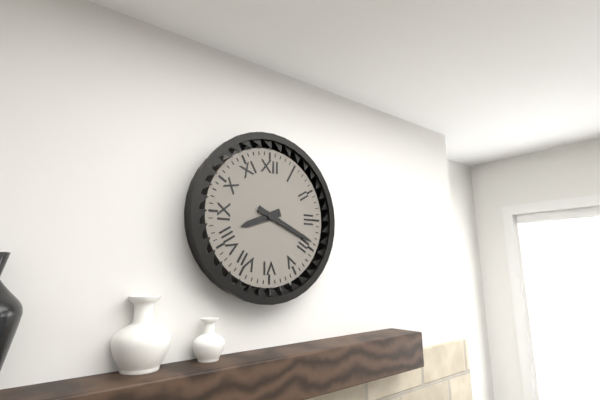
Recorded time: 8:19
